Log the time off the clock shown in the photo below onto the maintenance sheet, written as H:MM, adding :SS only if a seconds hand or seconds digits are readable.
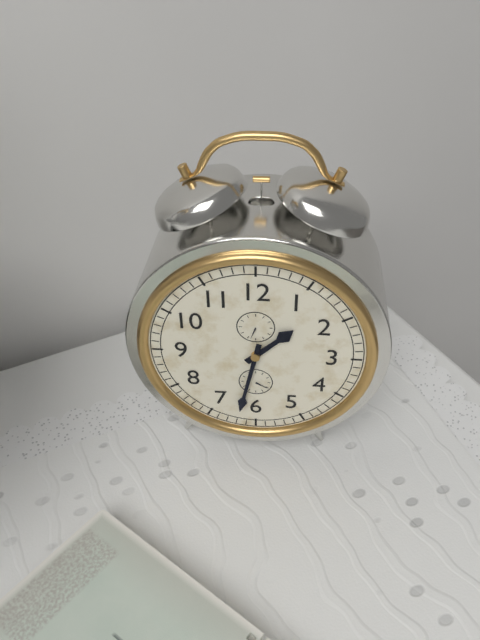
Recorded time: 1:32
